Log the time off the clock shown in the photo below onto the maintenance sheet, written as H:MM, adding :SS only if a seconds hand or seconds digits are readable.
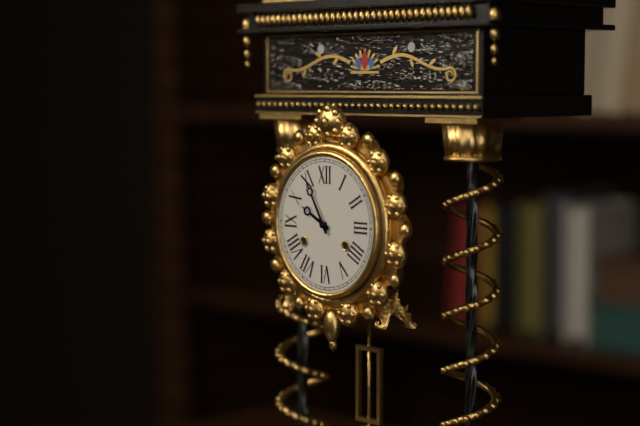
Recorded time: 9:55
